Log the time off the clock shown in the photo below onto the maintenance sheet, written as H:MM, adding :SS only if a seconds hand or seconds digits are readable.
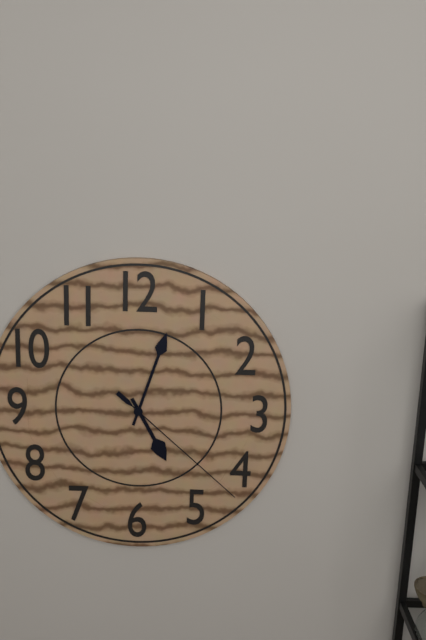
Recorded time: 5:03:22
